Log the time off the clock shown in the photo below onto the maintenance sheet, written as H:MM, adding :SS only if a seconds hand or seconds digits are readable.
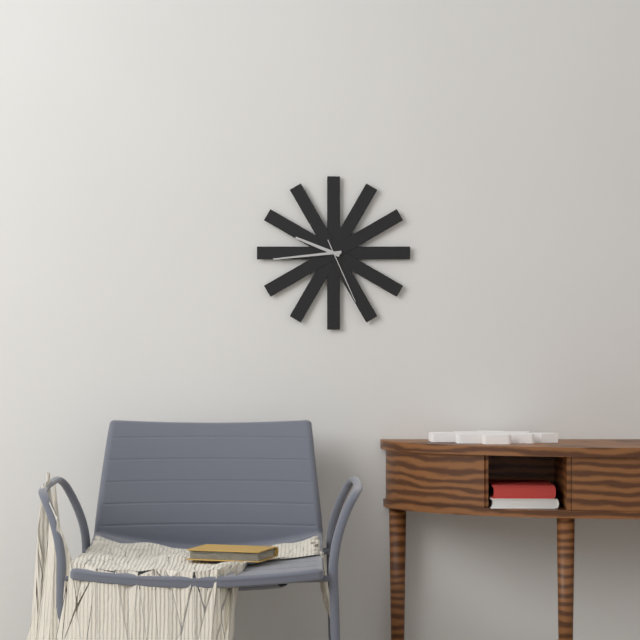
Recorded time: 9:44:26
